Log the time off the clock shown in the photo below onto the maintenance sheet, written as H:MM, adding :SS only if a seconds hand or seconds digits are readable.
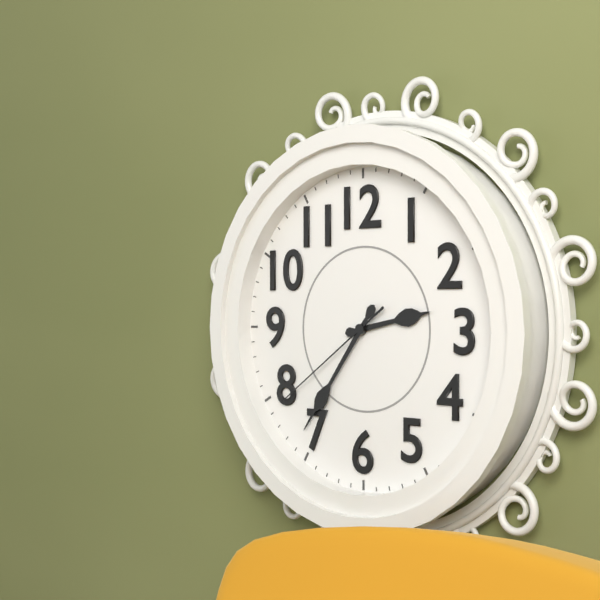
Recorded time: 2:36:39
